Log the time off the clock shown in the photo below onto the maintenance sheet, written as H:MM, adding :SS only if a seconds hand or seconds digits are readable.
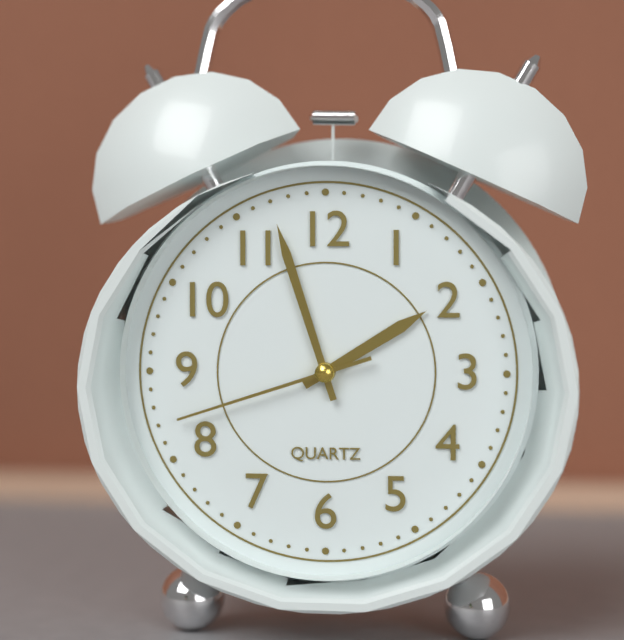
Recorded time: 1:57:42
